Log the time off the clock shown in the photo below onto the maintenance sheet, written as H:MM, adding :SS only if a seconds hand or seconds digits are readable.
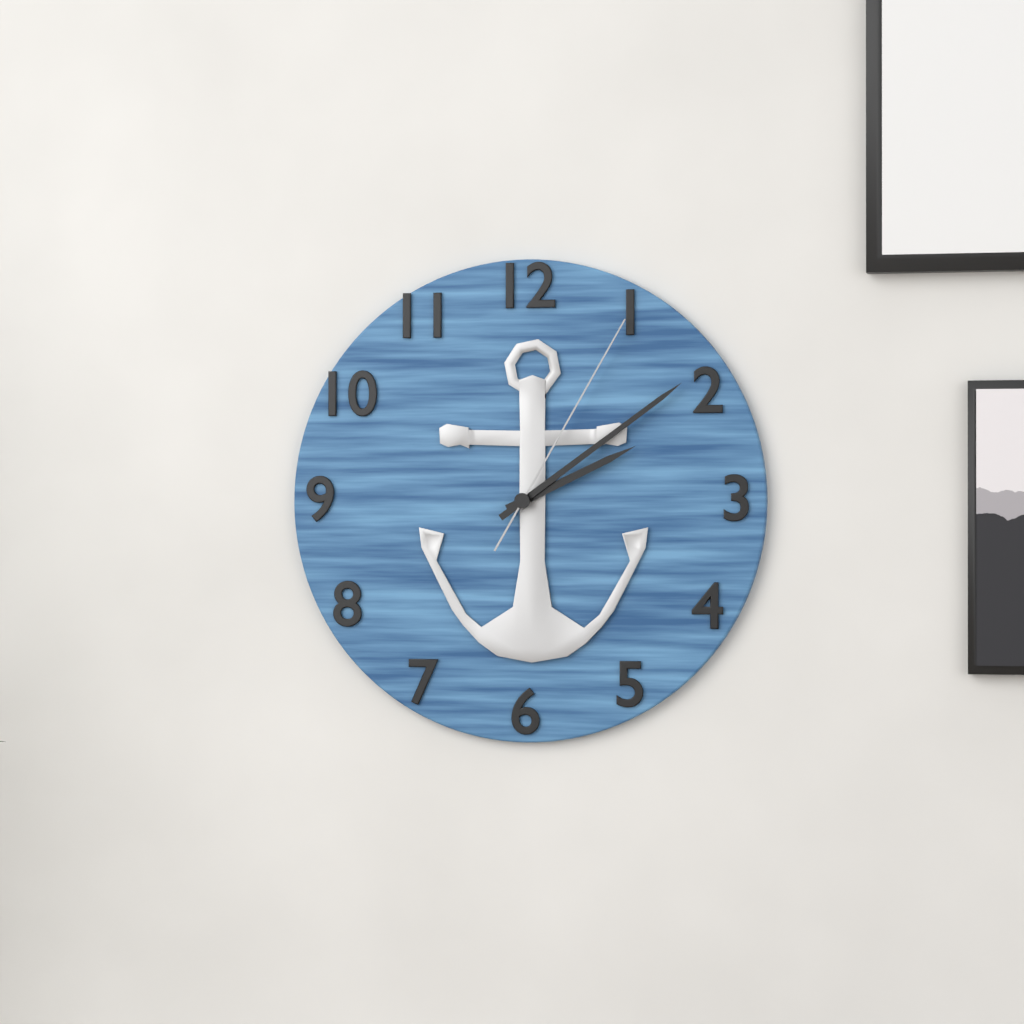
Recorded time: 2:09:05
